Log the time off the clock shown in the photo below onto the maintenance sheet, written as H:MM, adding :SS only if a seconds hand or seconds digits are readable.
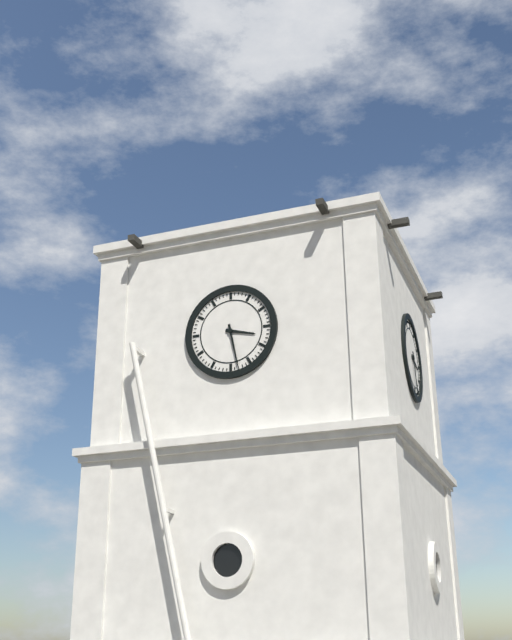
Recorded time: 3:28
